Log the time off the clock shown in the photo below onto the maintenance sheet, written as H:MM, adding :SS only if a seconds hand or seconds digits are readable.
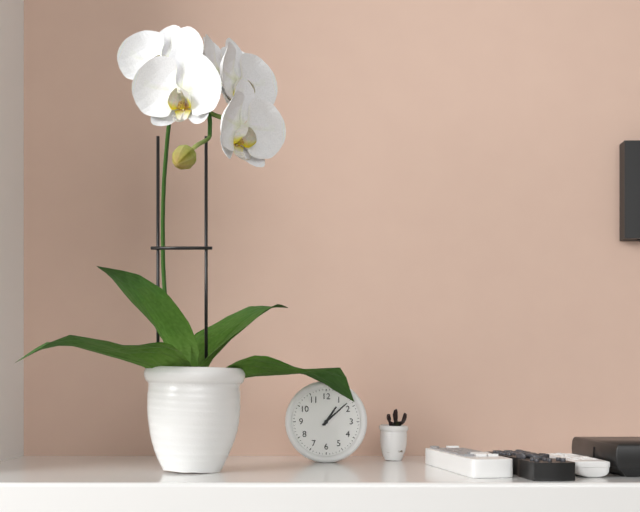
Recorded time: 1:08
